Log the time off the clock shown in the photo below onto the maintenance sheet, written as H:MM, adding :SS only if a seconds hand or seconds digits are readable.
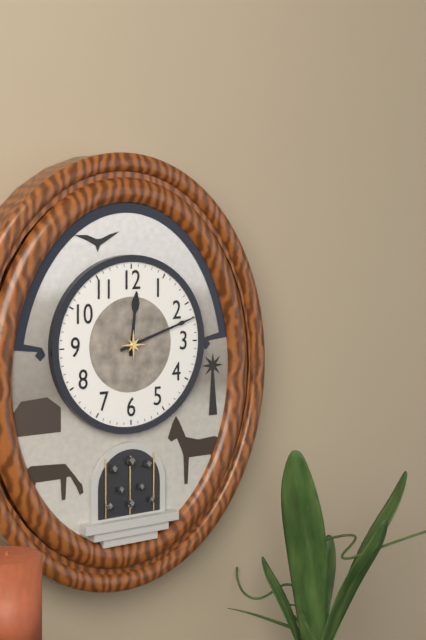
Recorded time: 12:12
